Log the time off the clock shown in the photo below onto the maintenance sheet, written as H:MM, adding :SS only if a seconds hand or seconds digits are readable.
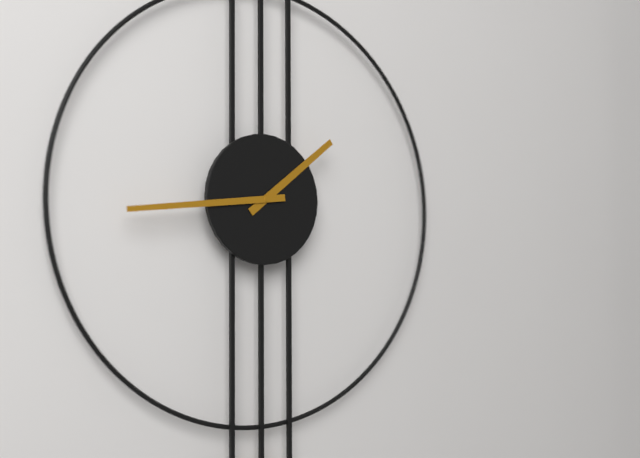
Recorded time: 1:44
